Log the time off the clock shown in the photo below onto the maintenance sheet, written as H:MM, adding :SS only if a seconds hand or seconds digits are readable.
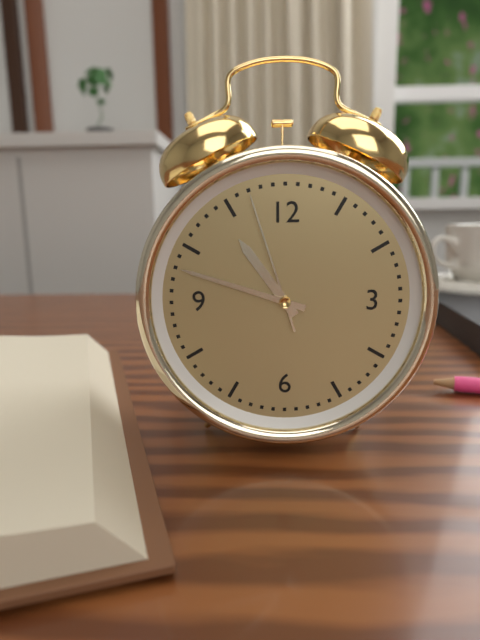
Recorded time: 10:48:57
